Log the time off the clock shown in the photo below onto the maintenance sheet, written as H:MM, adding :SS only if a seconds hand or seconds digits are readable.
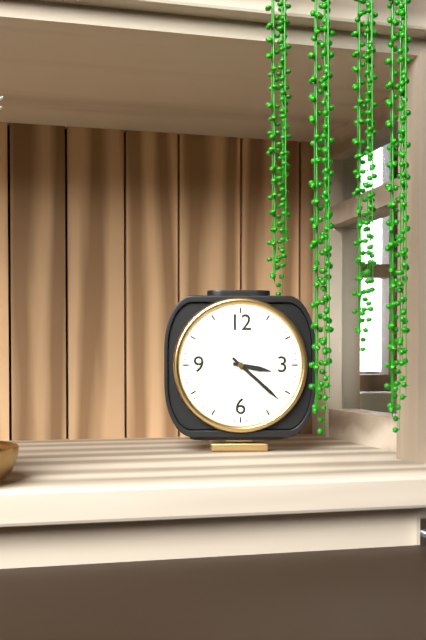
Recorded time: 3:22
